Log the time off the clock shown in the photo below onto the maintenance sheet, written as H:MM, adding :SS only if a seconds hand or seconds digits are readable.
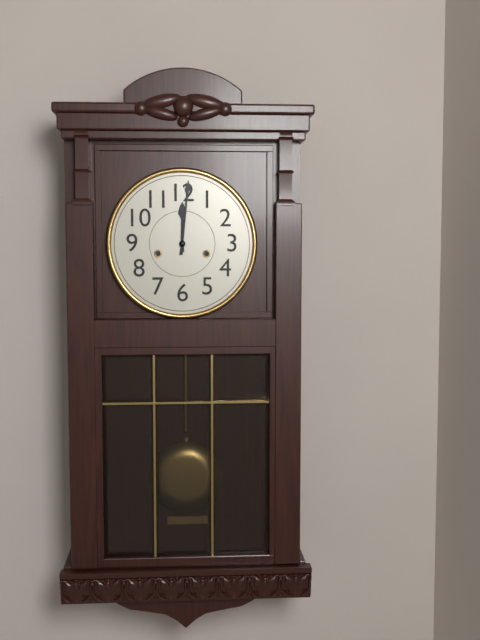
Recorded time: 12:01
